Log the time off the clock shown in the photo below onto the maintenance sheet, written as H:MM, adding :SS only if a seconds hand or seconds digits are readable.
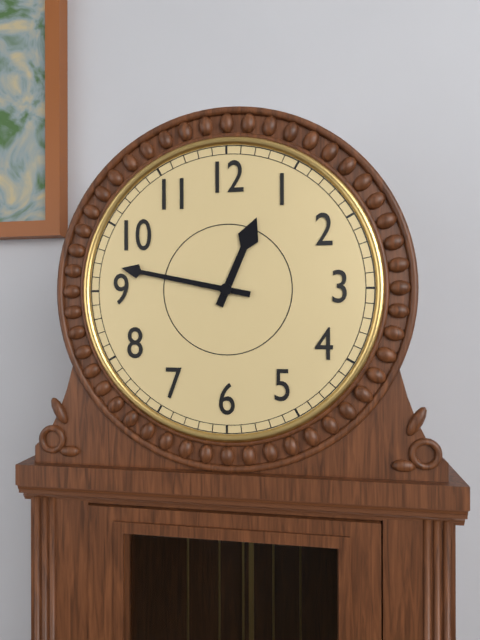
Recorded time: 12:47
